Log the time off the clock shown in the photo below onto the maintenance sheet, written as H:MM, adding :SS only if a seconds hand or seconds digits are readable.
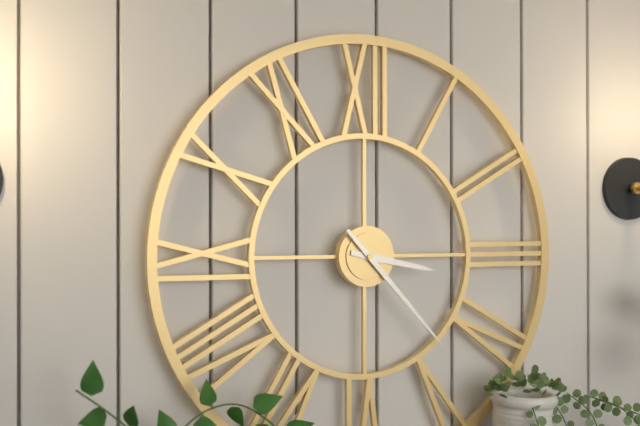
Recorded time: 3:23
